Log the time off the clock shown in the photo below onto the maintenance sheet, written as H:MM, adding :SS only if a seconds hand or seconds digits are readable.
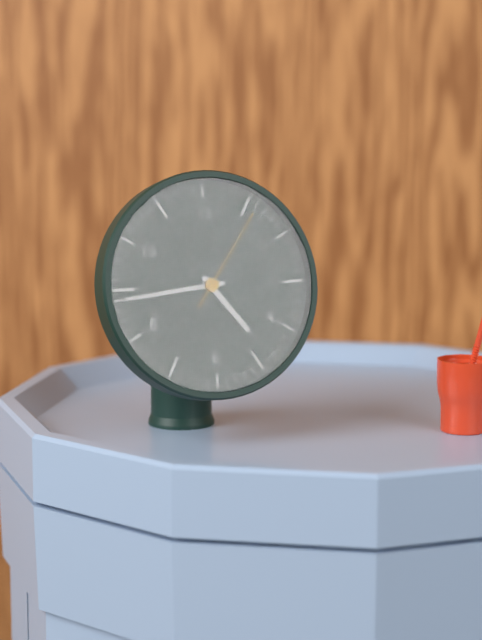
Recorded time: 4:44:06
